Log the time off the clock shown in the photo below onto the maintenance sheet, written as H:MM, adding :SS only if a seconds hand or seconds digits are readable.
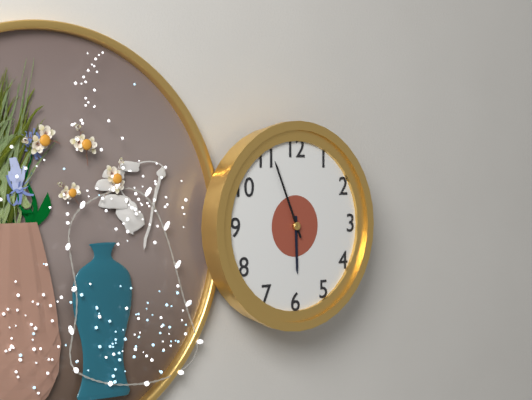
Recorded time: 5:56
